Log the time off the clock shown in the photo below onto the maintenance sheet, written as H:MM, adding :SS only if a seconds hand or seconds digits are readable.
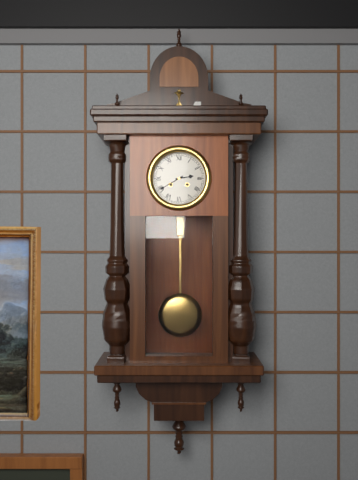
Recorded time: 2:40
